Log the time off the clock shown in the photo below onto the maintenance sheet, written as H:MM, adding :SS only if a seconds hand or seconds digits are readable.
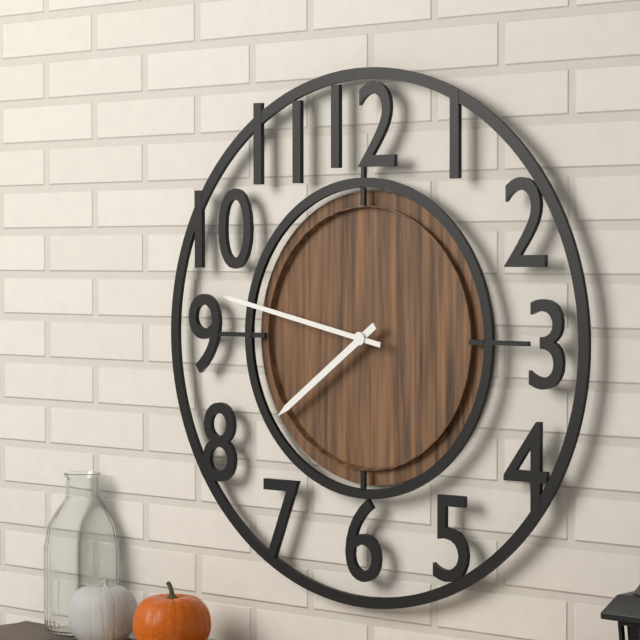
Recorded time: 7:47
